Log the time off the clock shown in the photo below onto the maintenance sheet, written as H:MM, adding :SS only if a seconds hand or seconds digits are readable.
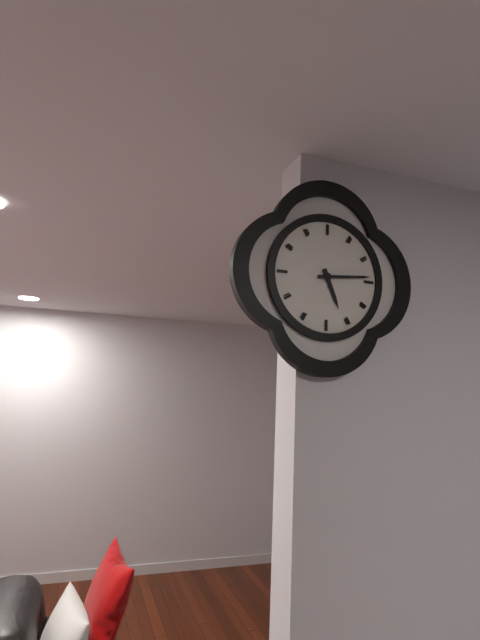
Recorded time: 5:14
